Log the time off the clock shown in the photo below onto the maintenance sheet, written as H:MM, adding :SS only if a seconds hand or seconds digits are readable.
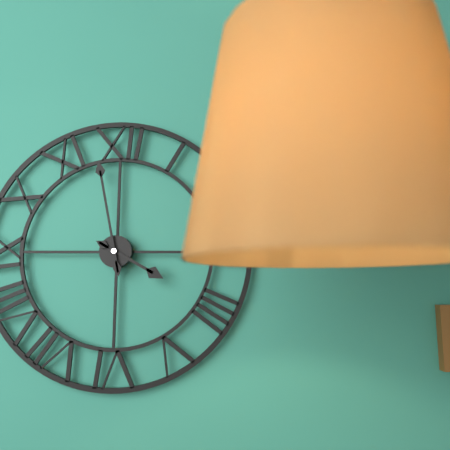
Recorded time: 3:58
